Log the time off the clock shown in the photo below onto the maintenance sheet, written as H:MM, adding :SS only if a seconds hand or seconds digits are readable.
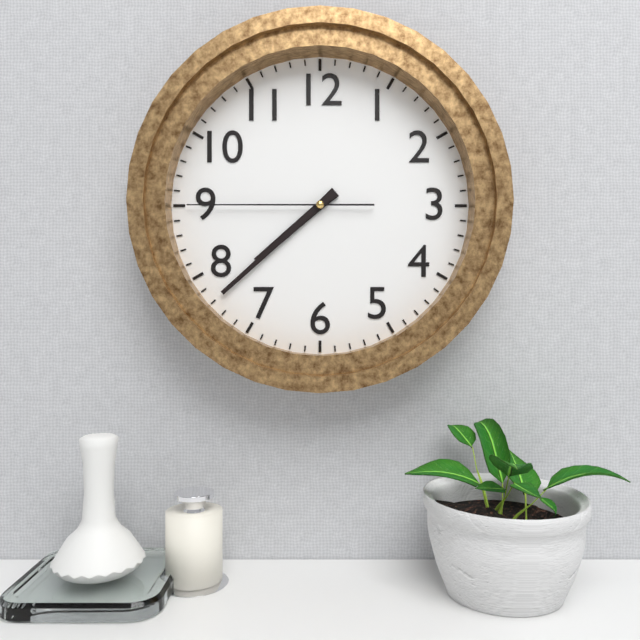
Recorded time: 7:38:45
